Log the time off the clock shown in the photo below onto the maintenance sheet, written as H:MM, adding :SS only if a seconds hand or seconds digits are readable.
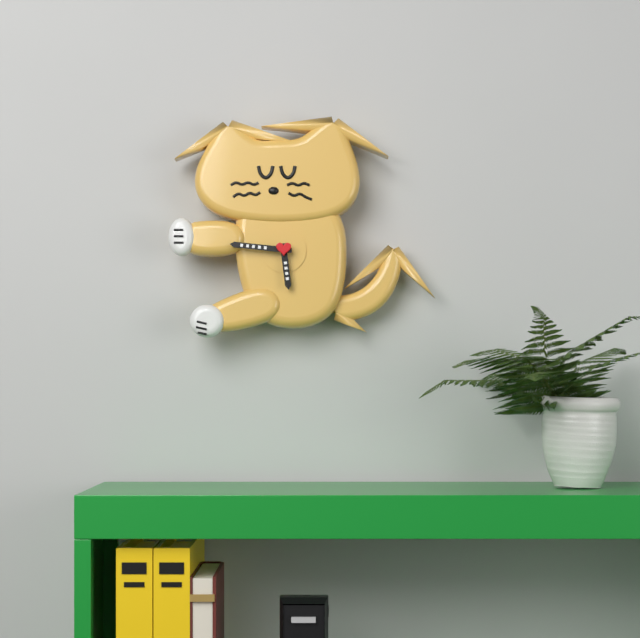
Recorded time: 5:46
